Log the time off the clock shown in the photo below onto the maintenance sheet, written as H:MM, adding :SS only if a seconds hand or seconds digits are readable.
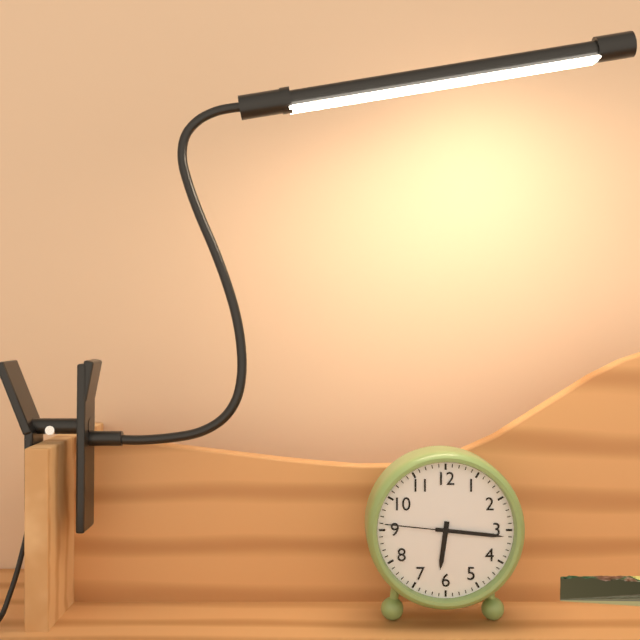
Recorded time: 6:16:46
